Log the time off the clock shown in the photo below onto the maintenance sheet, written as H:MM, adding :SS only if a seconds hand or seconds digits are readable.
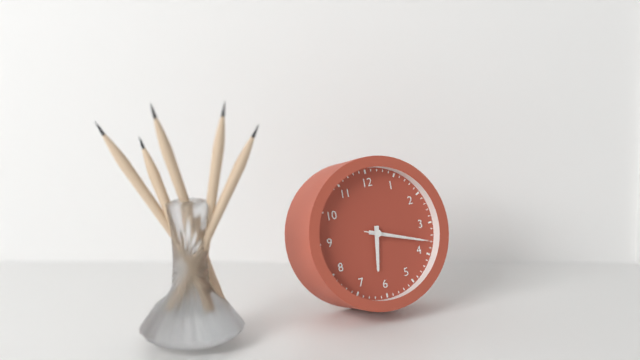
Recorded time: 6:18:18
